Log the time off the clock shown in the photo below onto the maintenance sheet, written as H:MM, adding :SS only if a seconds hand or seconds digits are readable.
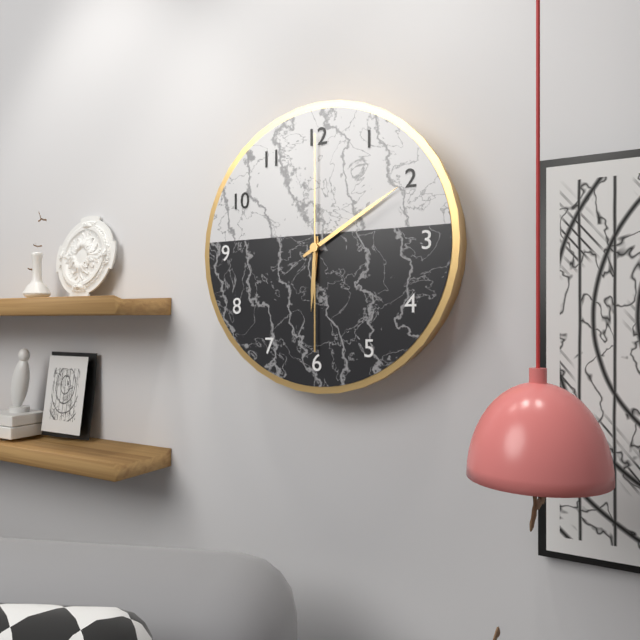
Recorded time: 6:10:00
